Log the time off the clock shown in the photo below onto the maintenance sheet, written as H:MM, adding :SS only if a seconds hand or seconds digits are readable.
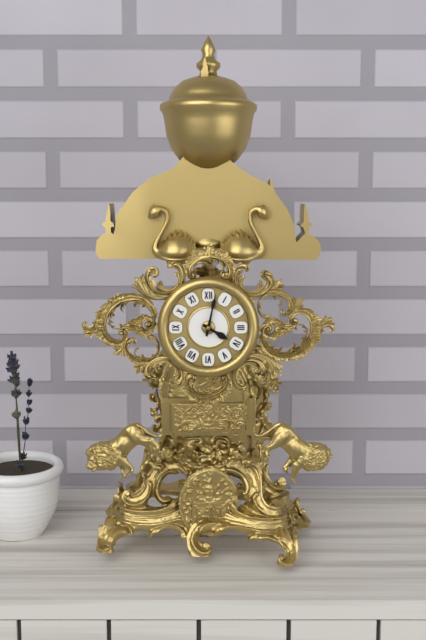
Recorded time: 4:02
